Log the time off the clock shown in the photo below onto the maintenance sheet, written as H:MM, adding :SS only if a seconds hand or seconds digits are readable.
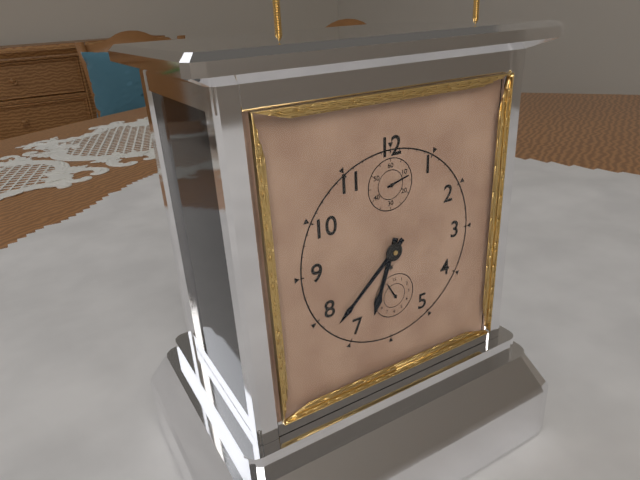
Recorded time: 6:38
